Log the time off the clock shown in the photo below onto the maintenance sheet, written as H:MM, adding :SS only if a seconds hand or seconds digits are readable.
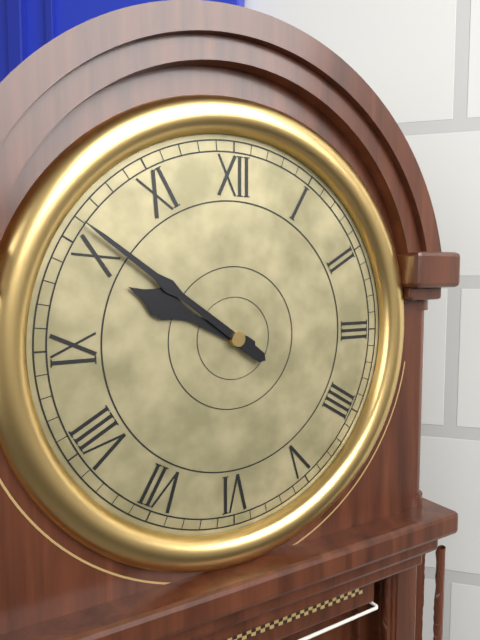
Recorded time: 9:51
